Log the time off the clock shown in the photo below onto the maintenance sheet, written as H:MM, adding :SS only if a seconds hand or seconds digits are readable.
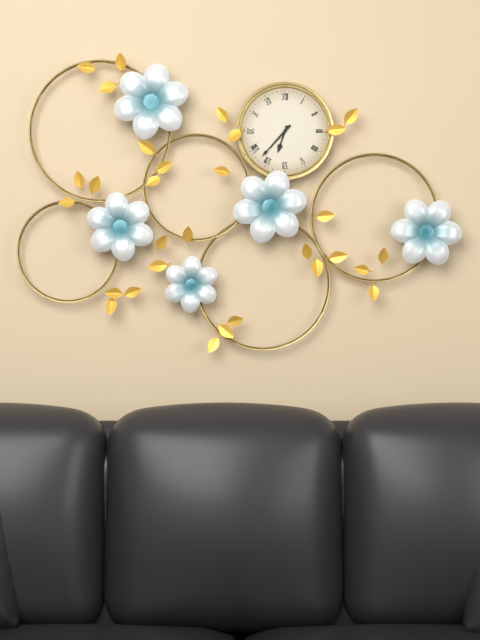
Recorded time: 6:37
